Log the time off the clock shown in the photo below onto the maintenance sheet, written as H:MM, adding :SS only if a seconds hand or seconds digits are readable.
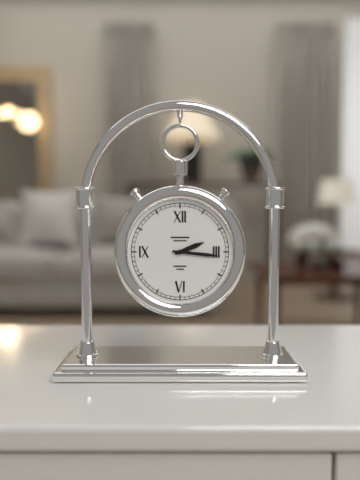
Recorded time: 2:16
